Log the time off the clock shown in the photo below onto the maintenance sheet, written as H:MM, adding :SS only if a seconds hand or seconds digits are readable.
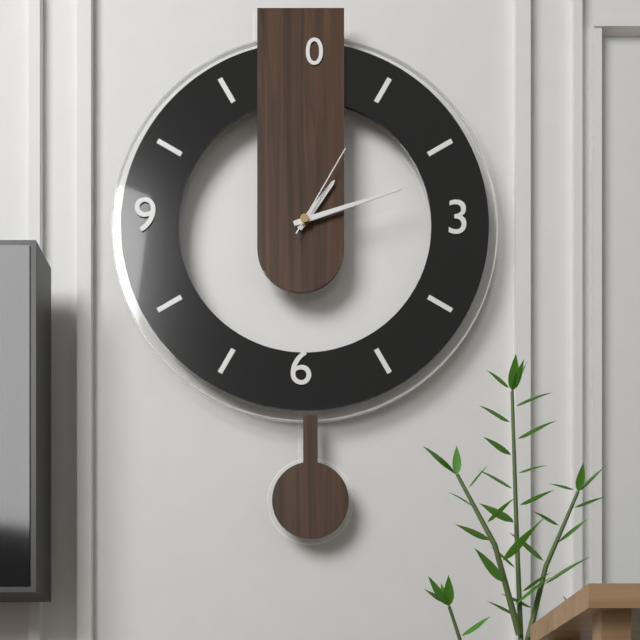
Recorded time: 1:12:05
